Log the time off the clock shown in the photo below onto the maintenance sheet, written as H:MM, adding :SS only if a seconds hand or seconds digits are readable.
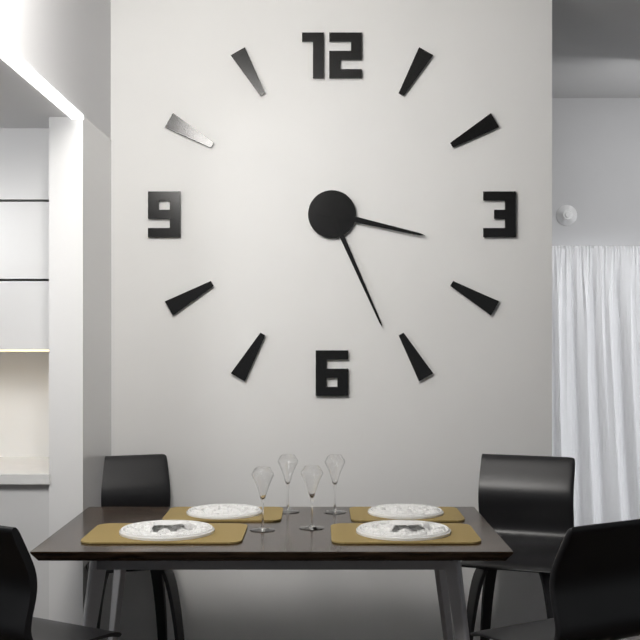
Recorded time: 3:26
